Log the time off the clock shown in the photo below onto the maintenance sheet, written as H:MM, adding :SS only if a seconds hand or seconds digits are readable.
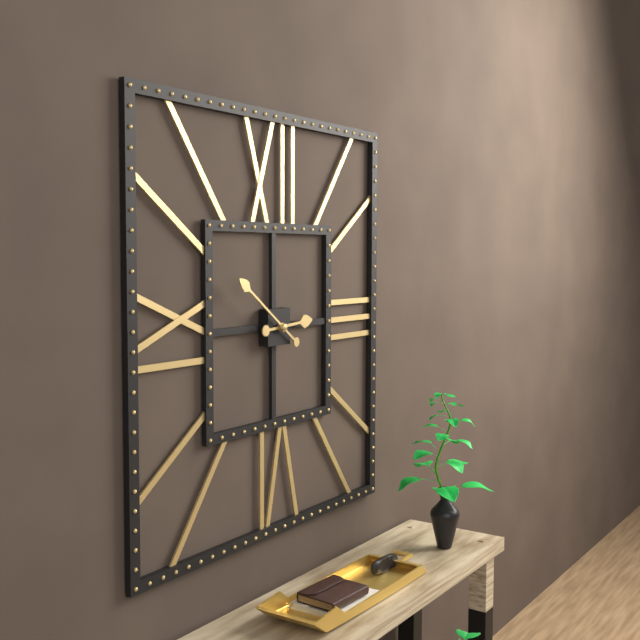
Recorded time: 2:51
